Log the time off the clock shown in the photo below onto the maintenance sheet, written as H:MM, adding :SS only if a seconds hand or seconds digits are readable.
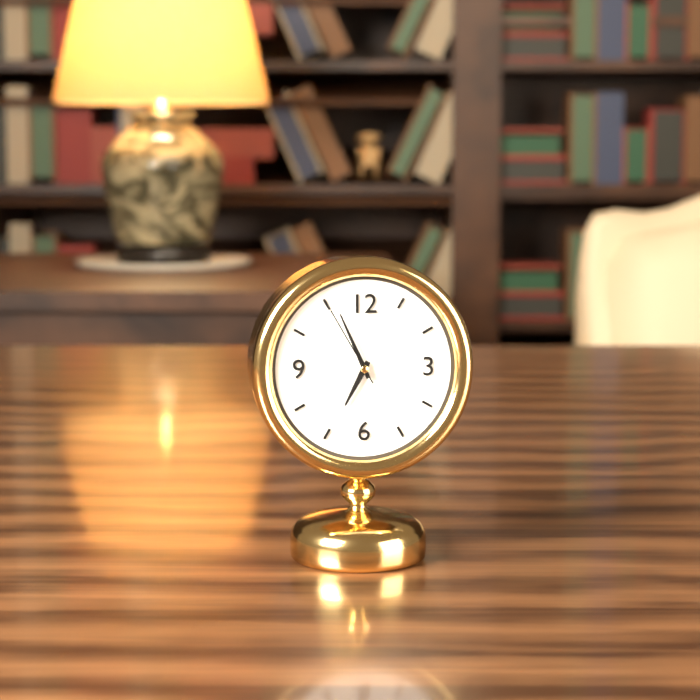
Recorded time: 6:56:55
